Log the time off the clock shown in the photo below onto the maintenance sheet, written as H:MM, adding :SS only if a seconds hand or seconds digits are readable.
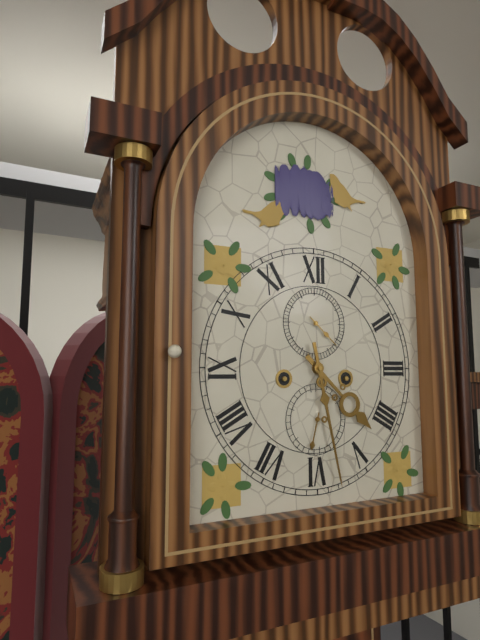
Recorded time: 4:28
